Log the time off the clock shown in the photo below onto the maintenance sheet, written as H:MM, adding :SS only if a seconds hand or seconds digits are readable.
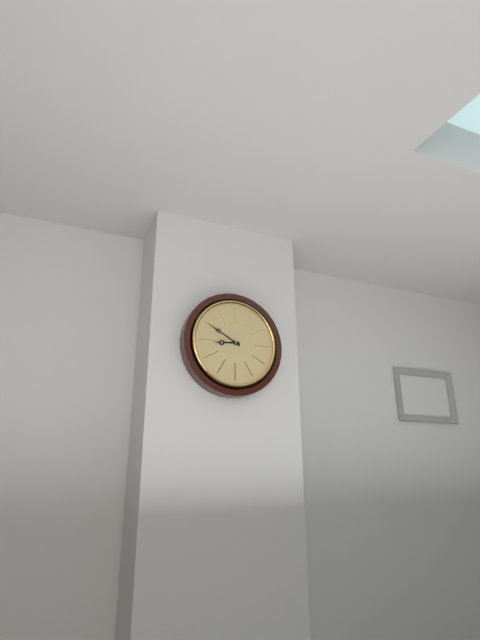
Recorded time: 8:50
